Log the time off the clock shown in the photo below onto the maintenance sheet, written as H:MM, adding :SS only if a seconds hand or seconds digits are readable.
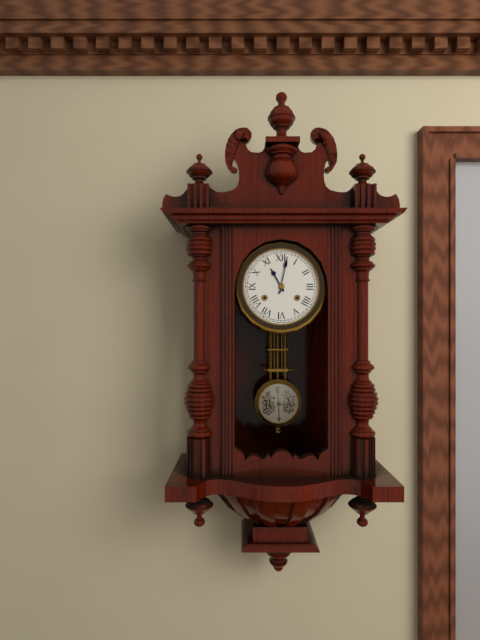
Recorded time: 11:02
